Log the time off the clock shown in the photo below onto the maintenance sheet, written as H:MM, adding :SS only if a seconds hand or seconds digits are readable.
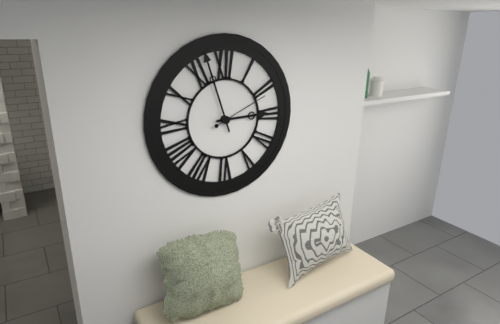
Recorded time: 2:57:11
